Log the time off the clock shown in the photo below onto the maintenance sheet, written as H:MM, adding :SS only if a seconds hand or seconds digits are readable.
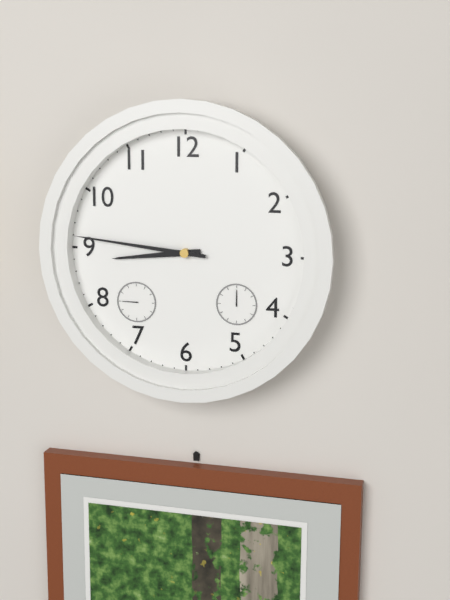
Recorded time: 8:46
